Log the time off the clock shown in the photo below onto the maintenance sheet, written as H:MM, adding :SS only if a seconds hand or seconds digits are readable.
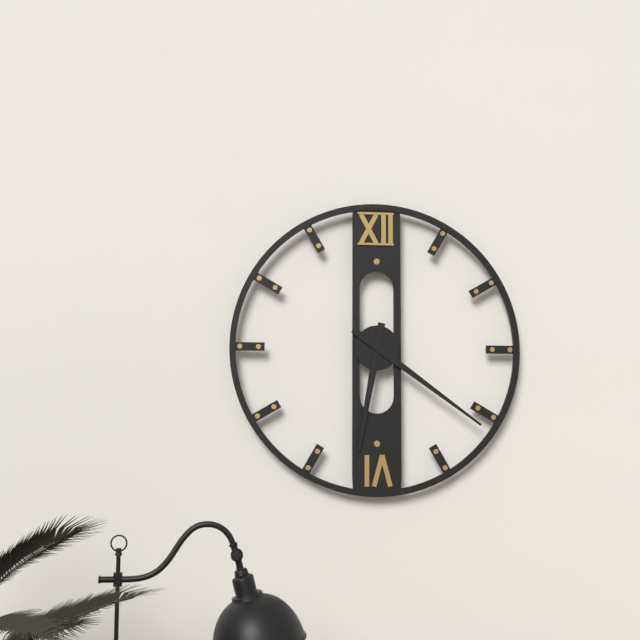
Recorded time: 6:21
